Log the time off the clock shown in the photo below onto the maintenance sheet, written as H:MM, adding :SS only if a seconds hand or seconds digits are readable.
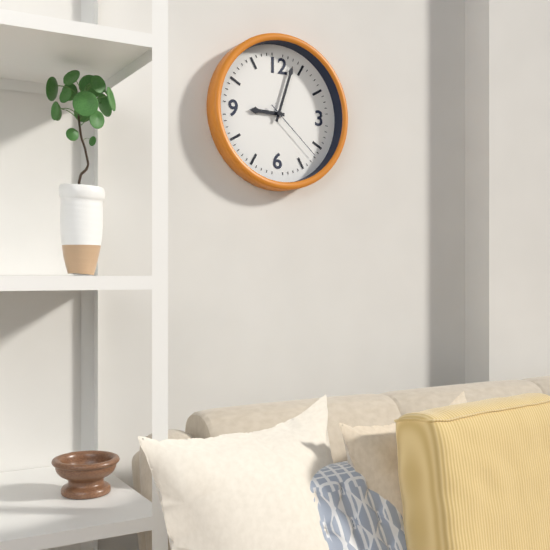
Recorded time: 9:03:22
